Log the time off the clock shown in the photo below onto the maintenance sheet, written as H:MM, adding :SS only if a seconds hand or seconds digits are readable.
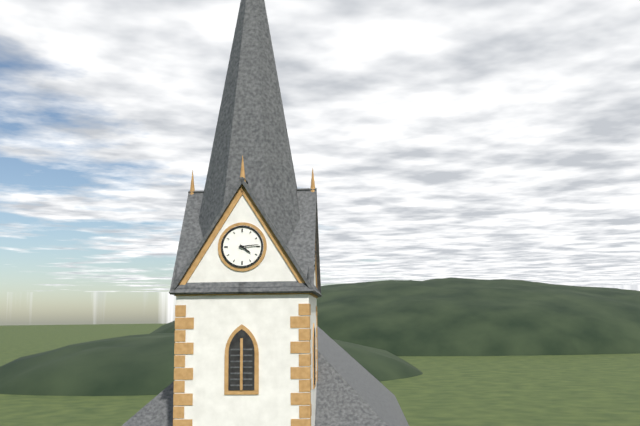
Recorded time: 4:14
